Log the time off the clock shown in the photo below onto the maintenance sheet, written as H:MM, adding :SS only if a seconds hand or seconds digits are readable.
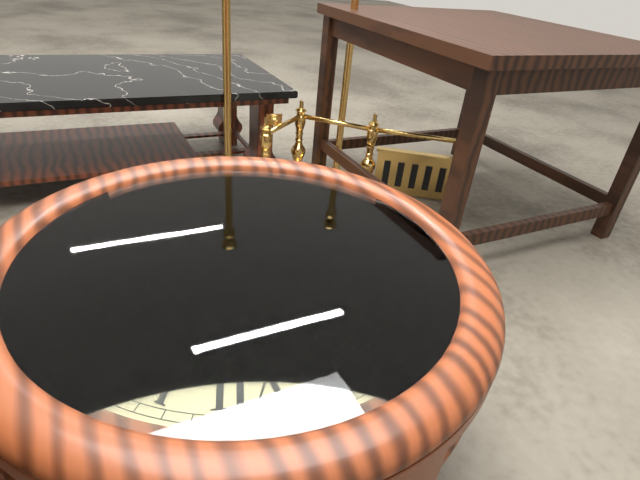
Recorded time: 11:09
